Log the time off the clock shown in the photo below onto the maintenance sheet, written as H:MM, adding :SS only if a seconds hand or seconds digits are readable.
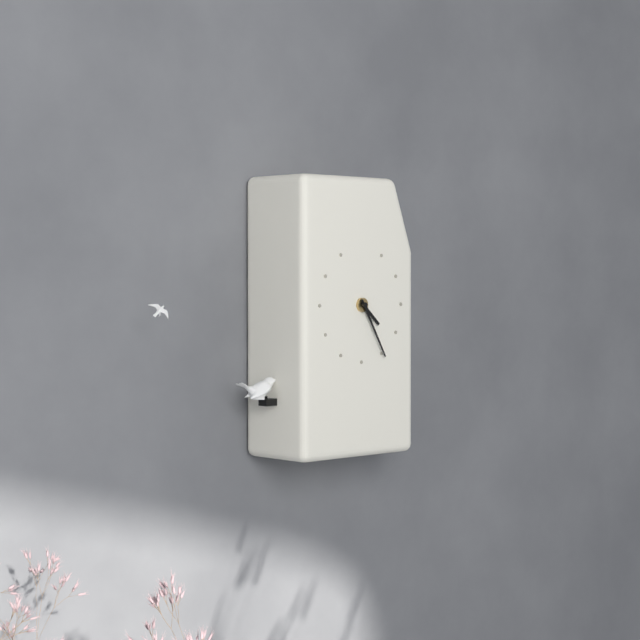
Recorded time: 4:25
